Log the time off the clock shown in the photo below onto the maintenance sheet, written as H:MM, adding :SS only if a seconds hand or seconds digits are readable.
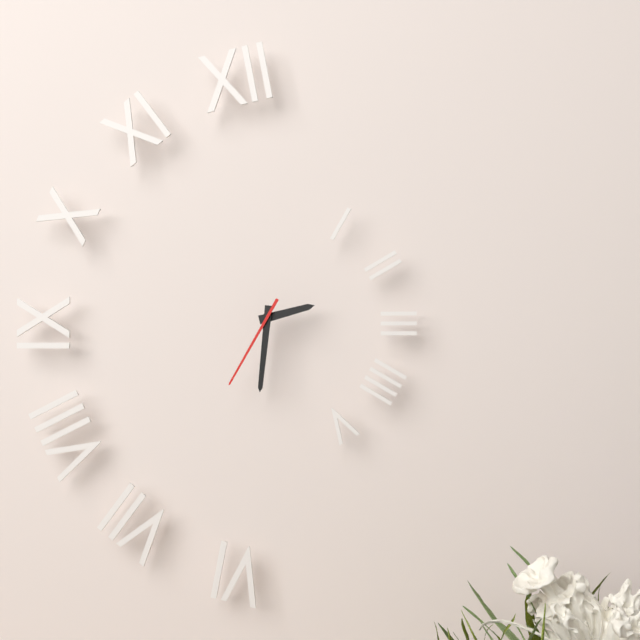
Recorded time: 2:31:35
